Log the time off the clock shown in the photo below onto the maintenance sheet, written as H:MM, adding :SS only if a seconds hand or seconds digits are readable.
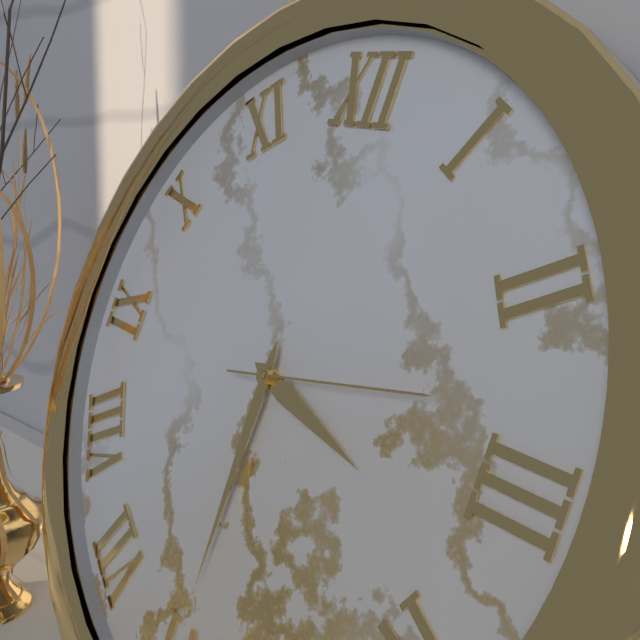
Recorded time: 3:30:13
